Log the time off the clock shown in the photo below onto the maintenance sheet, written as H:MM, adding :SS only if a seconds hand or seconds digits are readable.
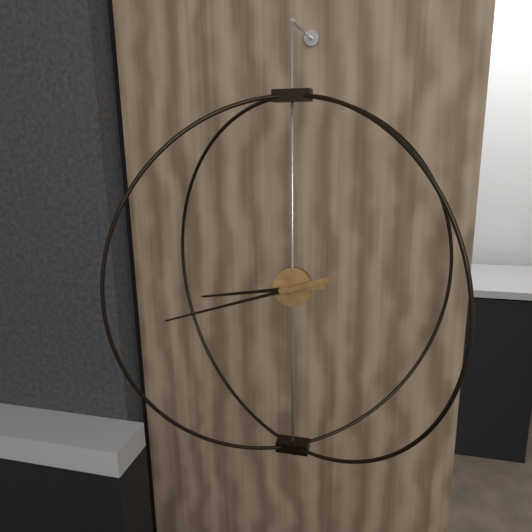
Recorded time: 8:42
